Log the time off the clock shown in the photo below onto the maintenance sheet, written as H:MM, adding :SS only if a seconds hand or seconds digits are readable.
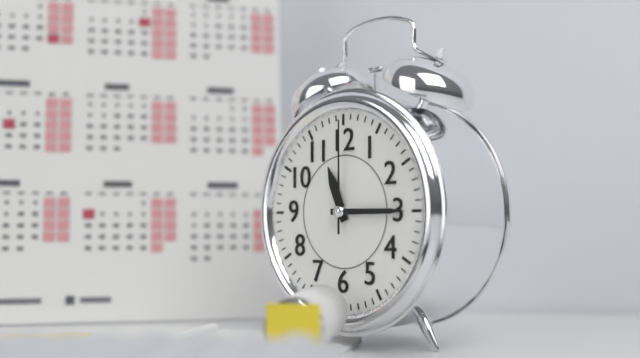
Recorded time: 11:15:00
